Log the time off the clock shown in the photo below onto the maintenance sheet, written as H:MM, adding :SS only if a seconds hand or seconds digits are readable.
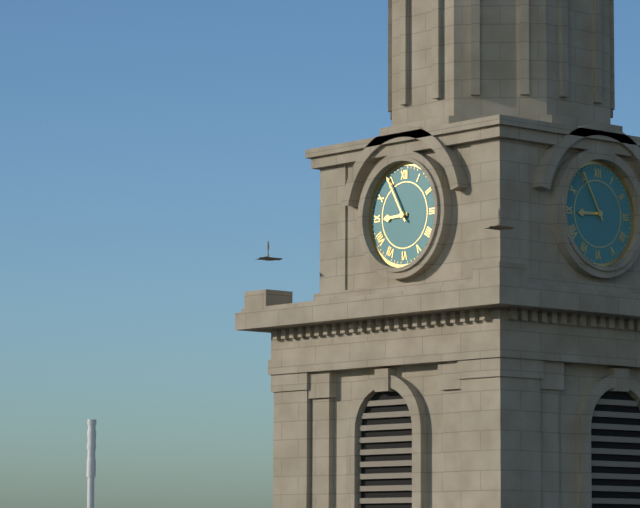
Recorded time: 8:55
